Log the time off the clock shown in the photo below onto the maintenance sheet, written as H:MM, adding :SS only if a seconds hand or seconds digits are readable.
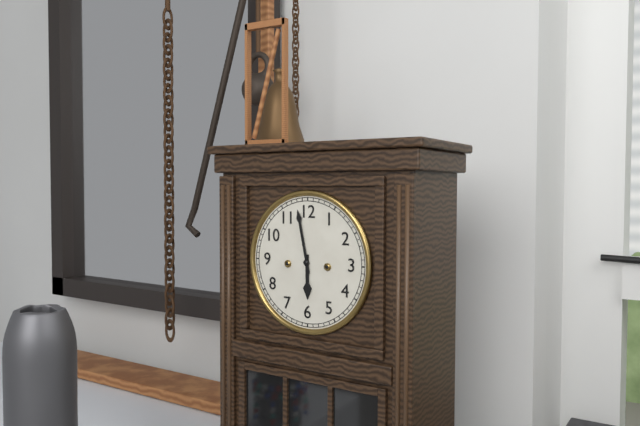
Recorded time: 5:58
